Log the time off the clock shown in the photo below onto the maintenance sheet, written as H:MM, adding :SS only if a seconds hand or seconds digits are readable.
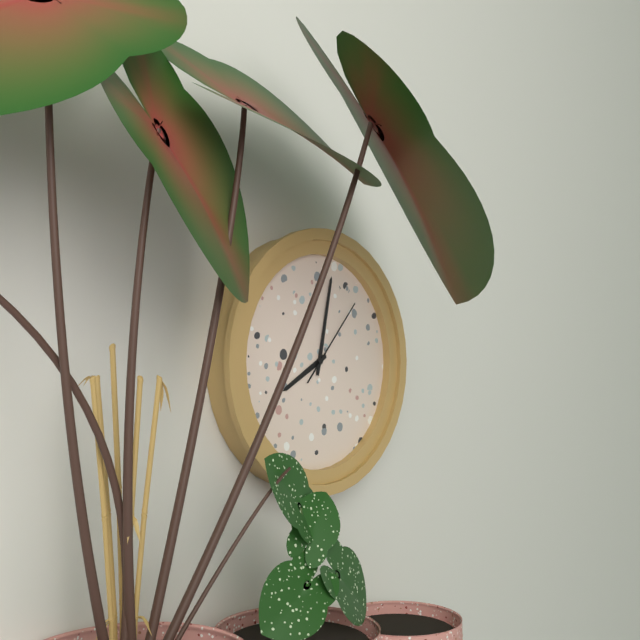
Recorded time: 8:02:07
